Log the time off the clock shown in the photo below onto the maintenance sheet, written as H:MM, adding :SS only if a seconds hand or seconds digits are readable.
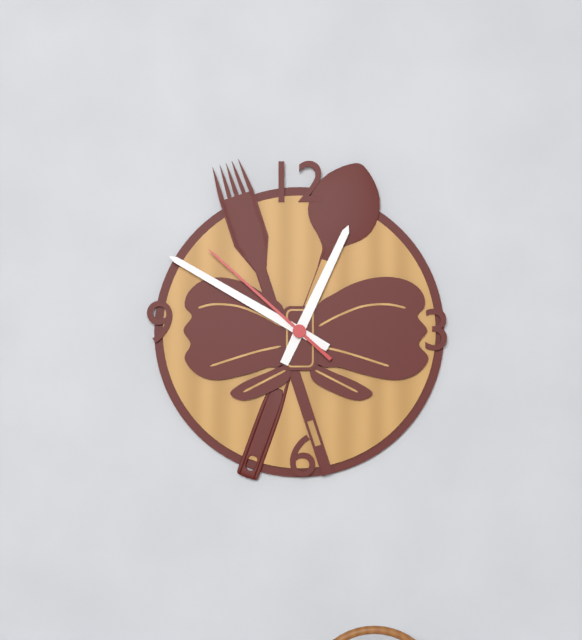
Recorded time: 12:50:52
